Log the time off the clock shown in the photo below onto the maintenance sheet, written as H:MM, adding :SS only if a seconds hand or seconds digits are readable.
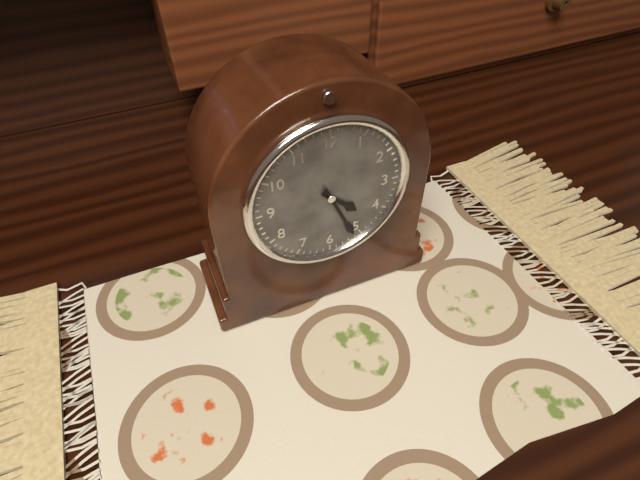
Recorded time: 4:26
